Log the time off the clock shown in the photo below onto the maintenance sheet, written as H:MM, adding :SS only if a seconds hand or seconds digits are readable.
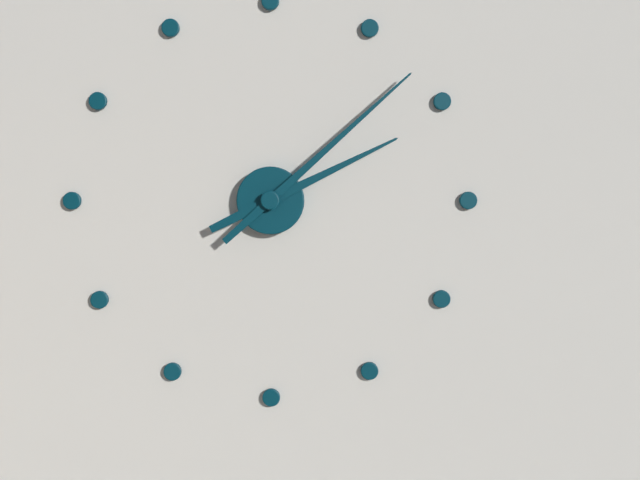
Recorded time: 2:08
